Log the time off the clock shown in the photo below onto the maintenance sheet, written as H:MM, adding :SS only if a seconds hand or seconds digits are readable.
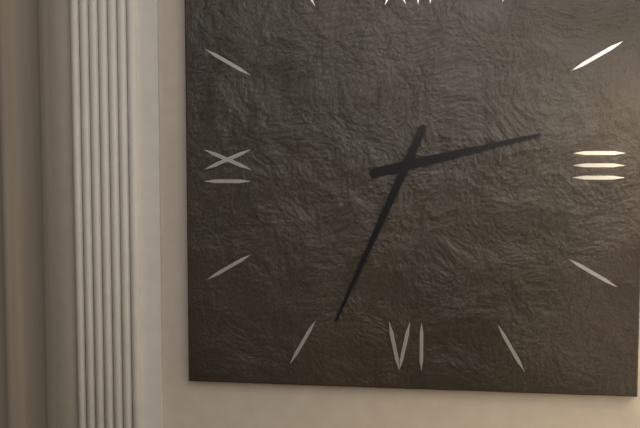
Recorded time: 2:34
